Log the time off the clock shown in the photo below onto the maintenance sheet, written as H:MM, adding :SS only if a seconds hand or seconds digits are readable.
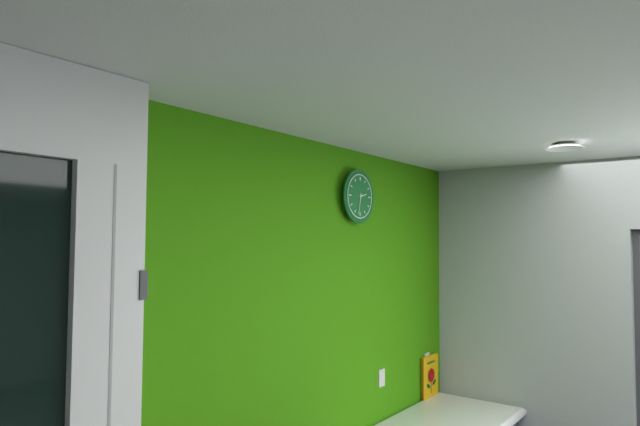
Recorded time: 2:32
